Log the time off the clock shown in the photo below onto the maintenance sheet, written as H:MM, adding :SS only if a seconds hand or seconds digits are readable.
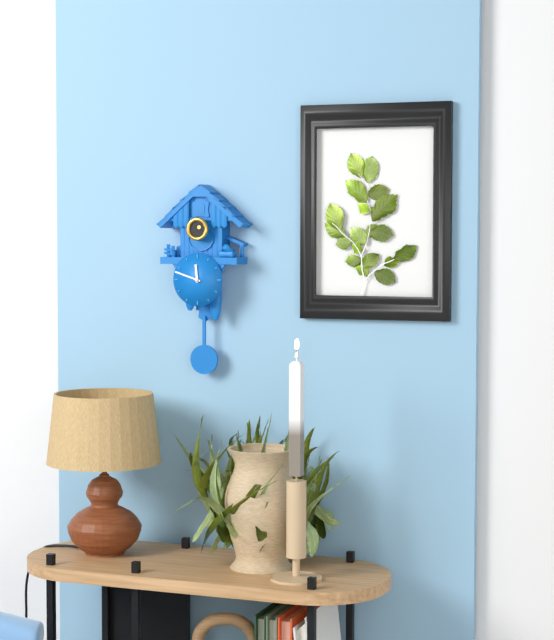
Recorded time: 11:48
